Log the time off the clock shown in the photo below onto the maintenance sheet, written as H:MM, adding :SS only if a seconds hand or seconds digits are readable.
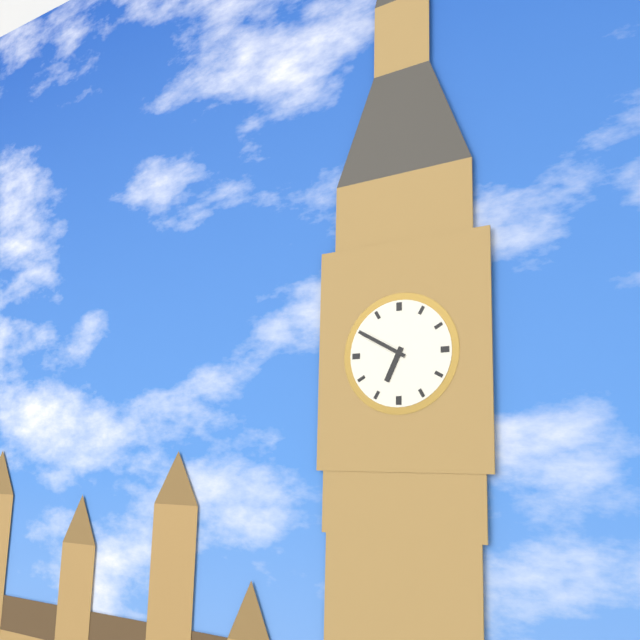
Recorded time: 6:50
